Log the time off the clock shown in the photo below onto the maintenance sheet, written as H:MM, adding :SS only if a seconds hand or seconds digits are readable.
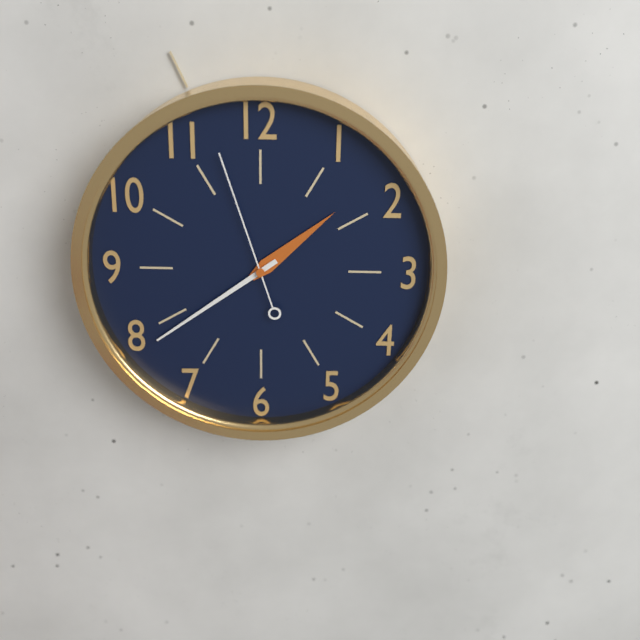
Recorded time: 1:39:57
